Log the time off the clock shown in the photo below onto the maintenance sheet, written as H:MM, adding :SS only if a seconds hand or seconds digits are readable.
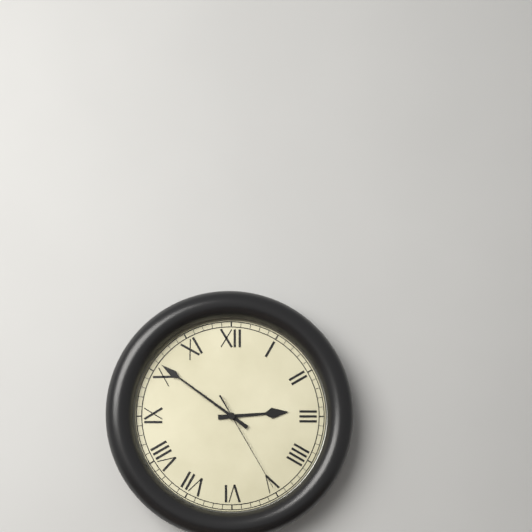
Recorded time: 2:51:25
